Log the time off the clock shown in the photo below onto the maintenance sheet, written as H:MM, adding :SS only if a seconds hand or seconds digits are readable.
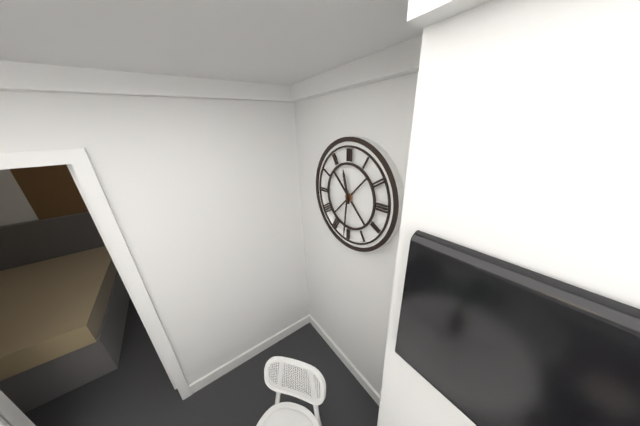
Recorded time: 11:31
